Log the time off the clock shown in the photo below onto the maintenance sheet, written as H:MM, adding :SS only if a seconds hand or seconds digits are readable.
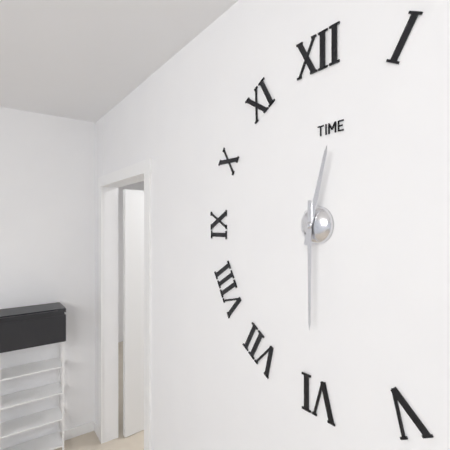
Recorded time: 12:30
